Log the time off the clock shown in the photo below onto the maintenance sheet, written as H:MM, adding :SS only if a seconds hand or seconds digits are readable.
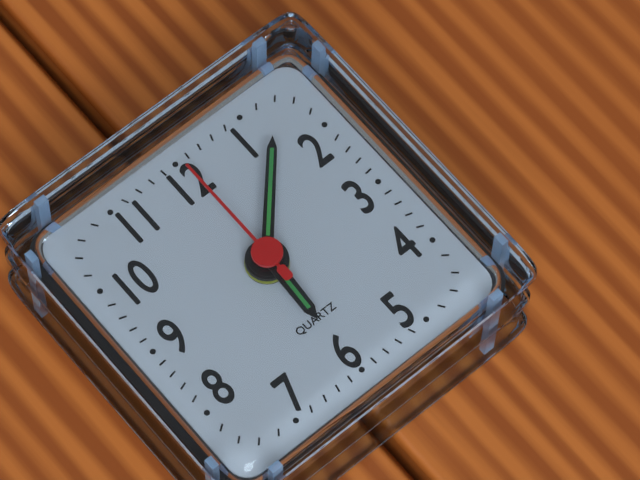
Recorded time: 6:07:00
